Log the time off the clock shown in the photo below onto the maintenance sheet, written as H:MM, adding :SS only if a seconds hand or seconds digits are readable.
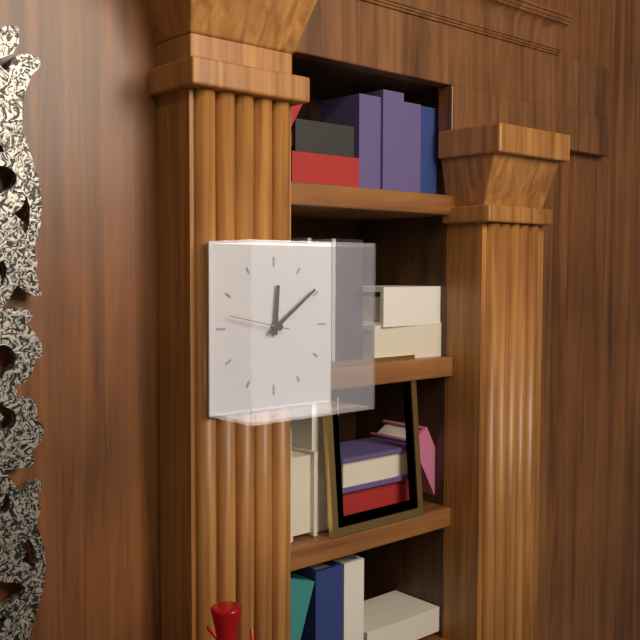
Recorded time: 12:09:47
